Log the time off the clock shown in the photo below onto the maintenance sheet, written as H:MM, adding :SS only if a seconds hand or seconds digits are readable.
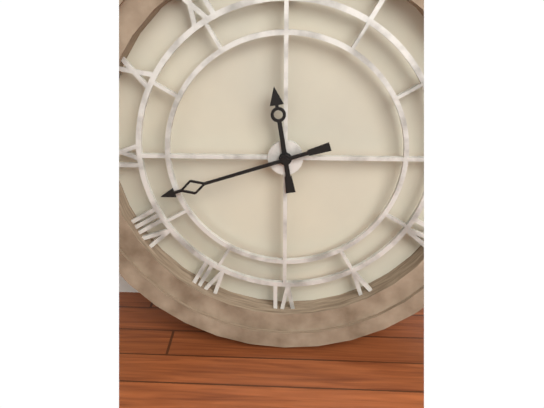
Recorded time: 11:42
